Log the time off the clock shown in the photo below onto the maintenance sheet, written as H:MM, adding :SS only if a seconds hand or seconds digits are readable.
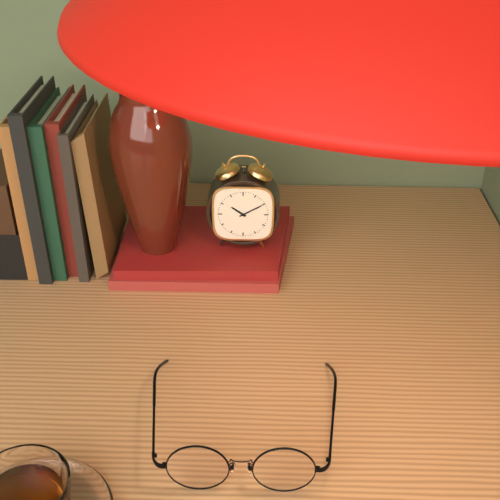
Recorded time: 10:10
